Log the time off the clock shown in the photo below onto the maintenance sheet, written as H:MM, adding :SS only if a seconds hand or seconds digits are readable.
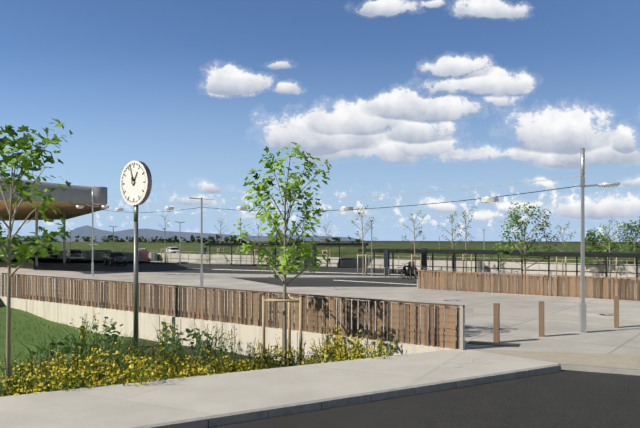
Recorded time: 12:57
